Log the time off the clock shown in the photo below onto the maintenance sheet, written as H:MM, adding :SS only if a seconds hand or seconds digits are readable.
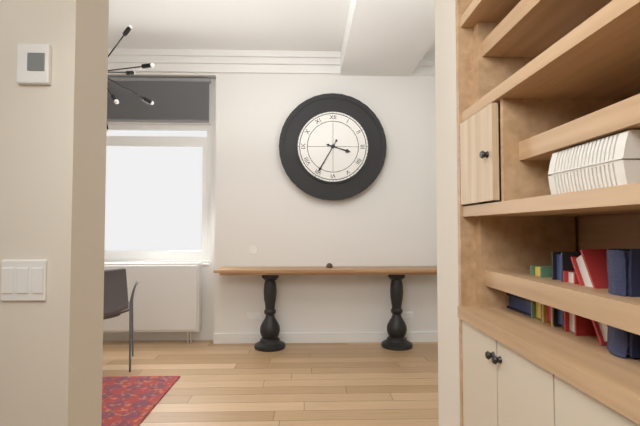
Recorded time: 3:35
